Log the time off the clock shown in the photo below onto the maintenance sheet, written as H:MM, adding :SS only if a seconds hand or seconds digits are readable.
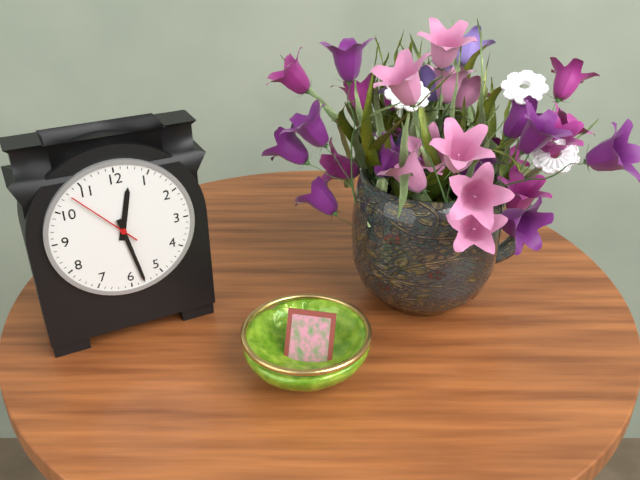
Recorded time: 12:28:53
